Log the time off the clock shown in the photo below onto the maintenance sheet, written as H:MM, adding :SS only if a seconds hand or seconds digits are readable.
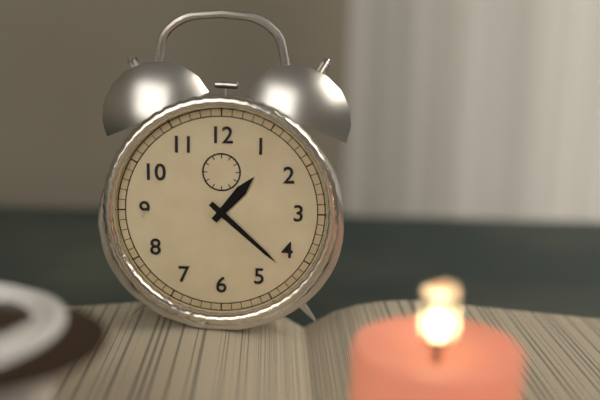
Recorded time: 1:22
